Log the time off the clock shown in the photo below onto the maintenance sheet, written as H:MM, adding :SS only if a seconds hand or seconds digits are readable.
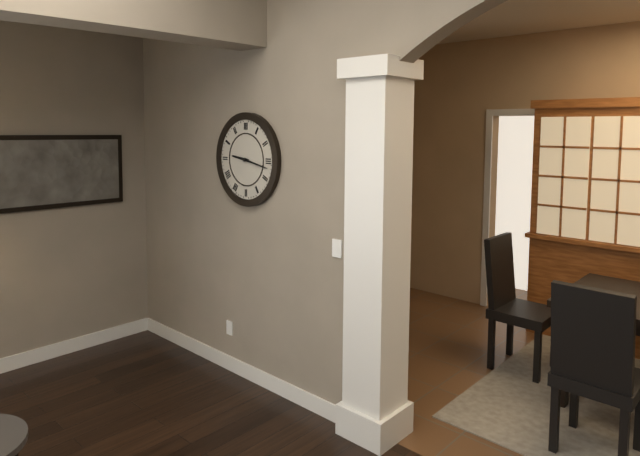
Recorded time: 9:17
